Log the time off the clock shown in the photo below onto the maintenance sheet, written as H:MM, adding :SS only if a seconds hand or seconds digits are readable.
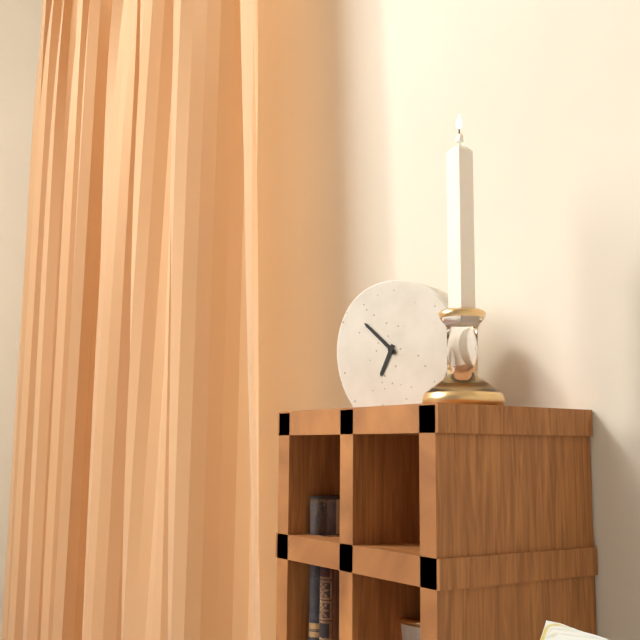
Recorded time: 6:52
